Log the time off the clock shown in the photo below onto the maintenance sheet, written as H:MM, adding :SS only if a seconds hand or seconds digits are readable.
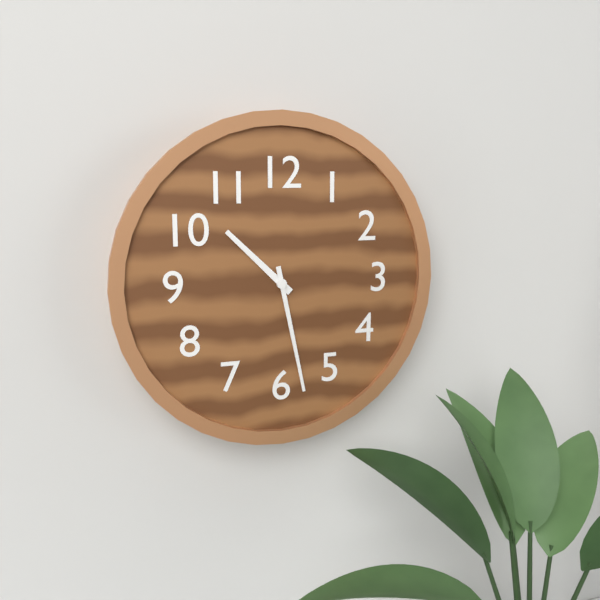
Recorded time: 10:28
